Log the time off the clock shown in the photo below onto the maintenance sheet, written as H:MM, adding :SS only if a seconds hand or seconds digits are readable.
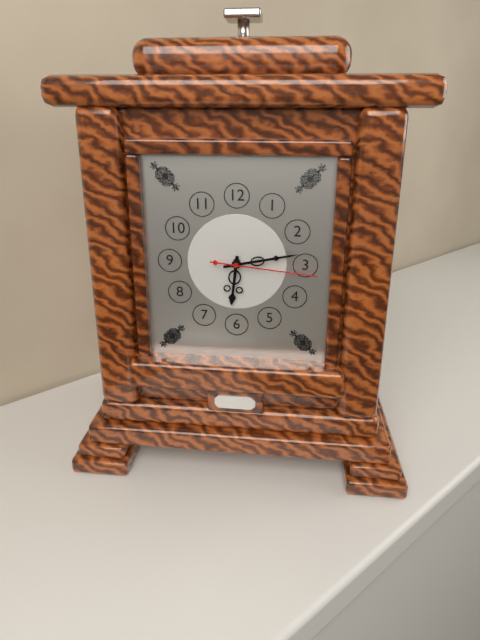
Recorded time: 6:13:16
